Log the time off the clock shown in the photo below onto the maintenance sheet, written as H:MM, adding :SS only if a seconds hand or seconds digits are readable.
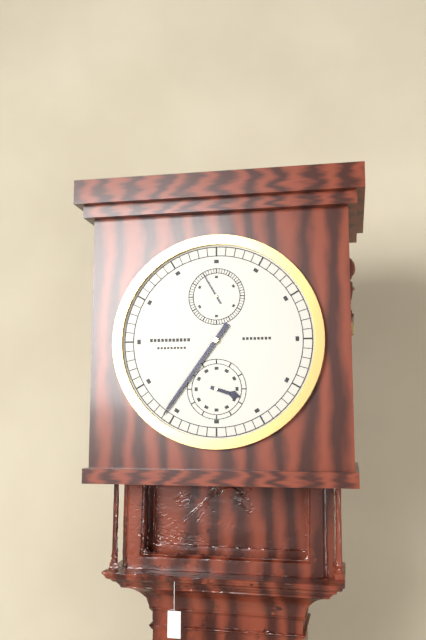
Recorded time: 3:36
